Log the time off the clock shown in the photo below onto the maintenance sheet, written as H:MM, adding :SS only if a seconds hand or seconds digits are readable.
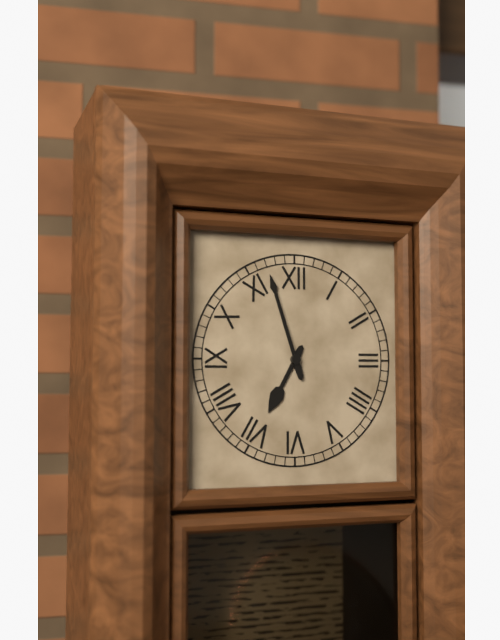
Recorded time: 6:57
